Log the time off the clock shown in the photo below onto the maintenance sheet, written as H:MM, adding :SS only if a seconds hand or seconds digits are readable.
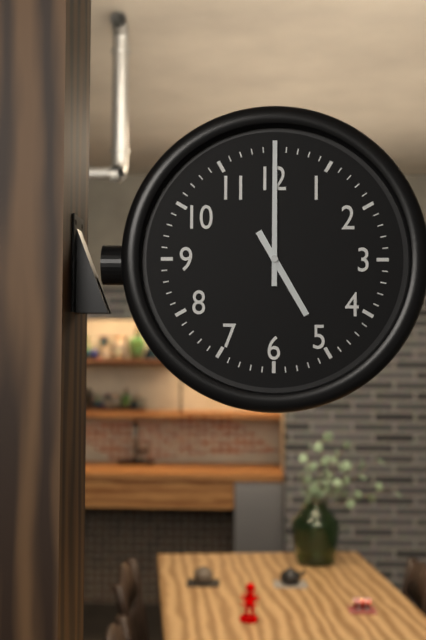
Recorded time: 5:00
